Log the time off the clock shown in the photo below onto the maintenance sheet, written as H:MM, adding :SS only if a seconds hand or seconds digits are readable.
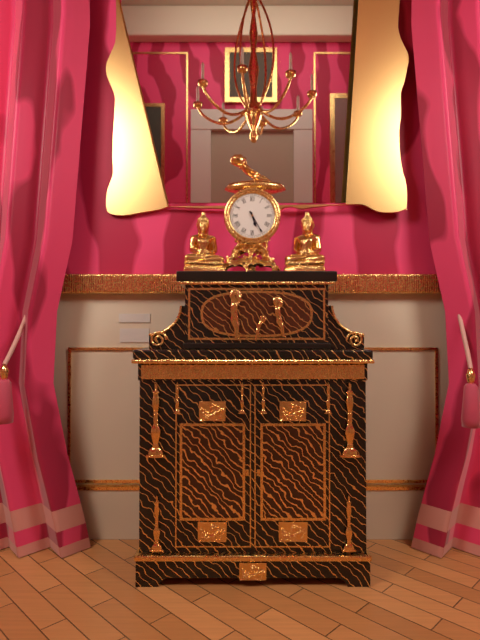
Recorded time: 5:25
